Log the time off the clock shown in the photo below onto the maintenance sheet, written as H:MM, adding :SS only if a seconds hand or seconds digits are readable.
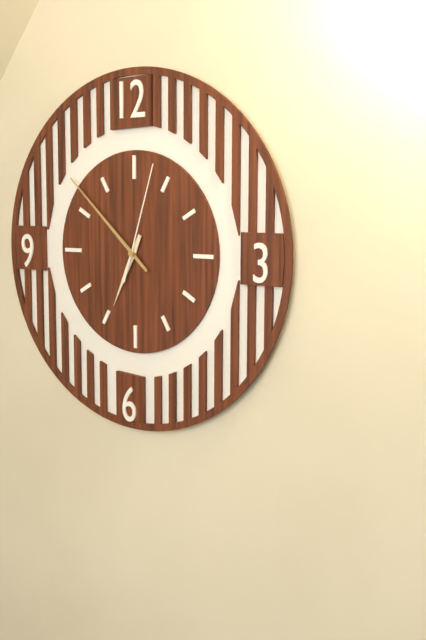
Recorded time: 6:52:03
